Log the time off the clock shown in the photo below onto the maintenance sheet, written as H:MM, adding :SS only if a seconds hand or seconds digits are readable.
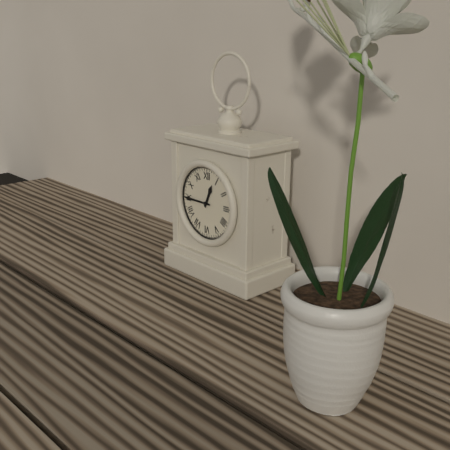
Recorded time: 12:45
